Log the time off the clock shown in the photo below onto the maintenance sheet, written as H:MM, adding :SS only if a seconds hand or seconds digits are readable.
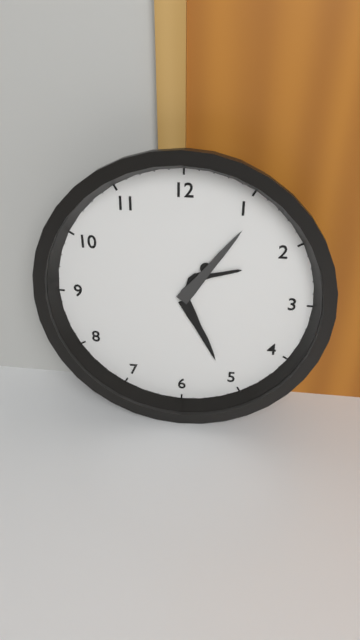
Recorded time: 5:06
